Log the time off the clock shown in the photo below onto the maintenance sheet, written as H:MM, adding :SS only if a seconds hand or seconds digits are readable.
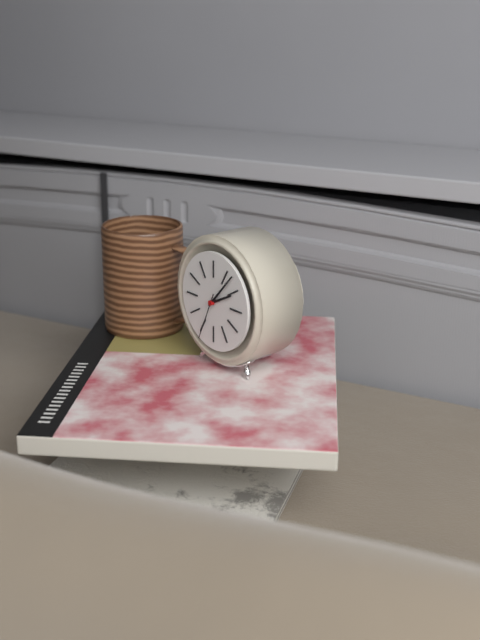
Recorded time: 2:07
